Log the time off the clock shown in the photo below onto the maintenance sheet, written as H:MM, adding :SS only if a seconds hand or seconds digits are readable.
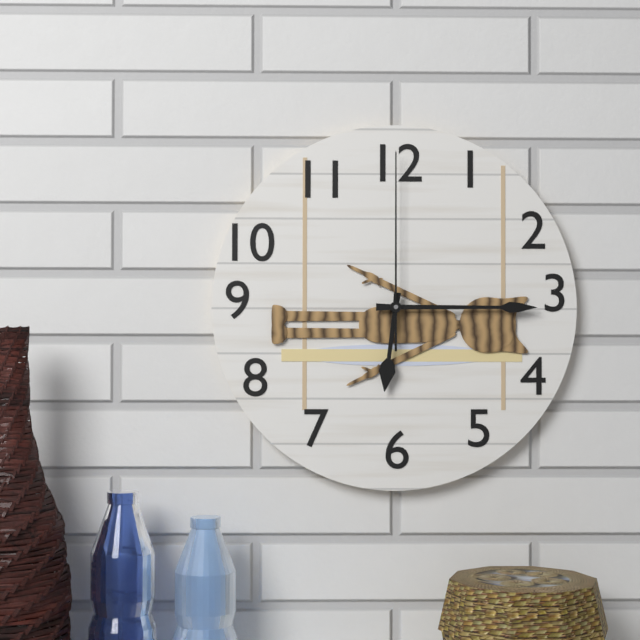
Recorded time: 6:15:00
